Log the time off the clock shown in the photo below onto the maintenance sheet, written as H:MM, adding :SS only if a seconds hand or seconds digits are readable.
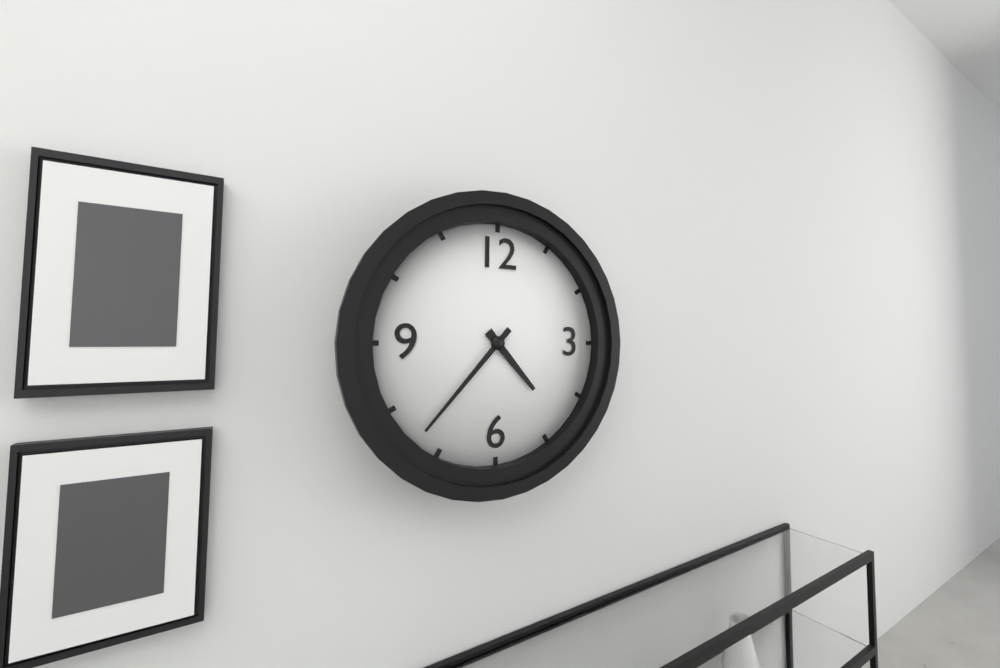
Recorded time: 4:37
